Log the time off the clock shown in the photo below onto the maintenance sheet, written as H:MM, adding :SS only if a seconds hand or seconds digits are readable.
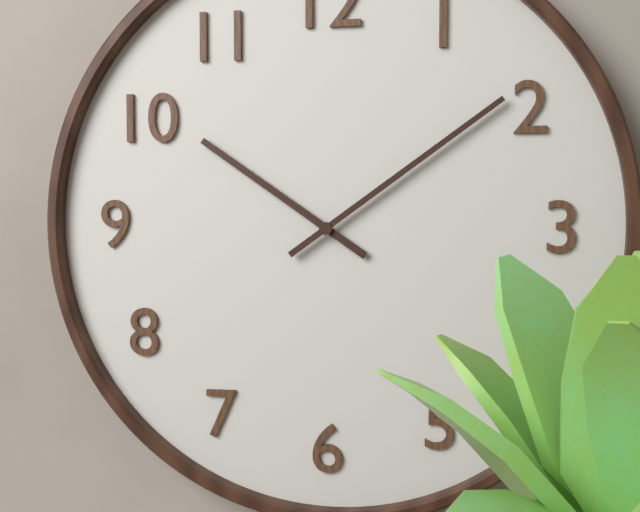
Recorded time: 10:09
